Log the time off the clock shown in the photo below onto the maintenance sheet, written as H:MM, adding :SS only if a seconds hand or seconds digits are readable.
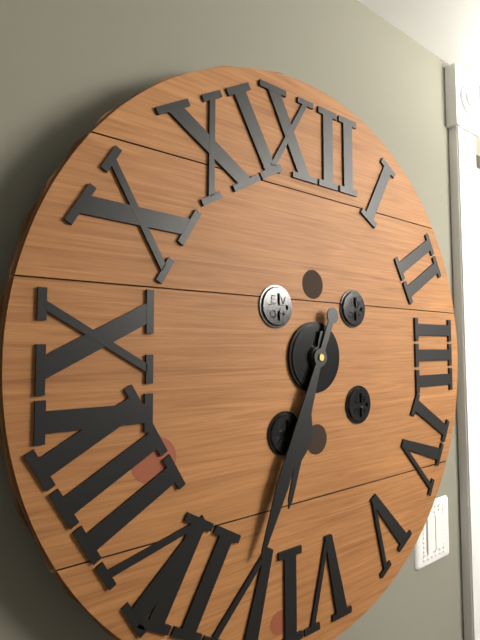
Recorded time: 6:34
